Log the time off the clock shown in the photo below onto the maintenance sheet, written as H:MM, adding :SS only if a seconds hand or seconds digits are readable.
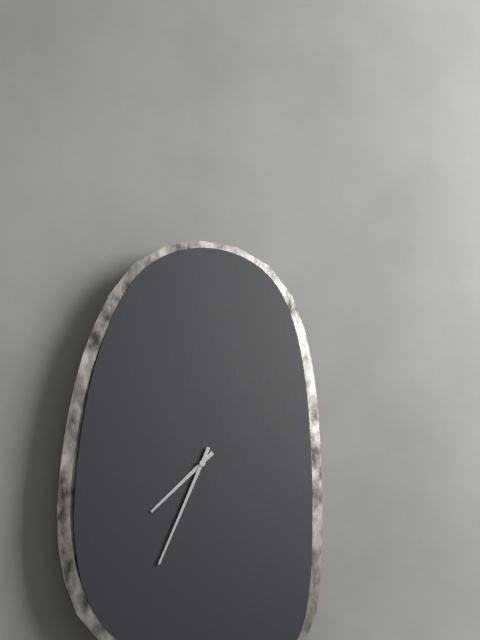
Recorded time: 7:34
